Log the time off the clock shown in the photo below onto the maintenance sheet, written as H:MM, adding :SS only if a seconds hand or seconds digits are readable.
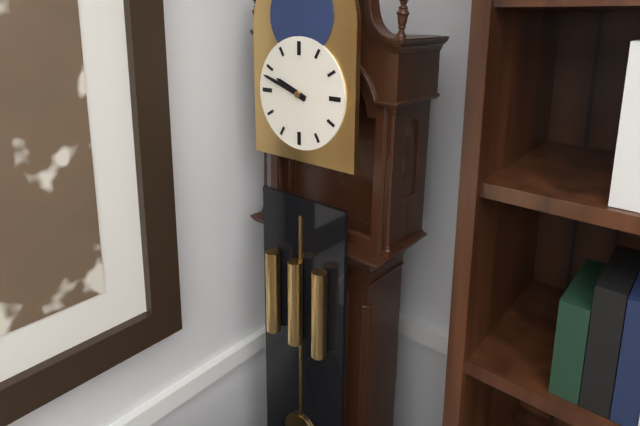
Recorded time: 9:48
